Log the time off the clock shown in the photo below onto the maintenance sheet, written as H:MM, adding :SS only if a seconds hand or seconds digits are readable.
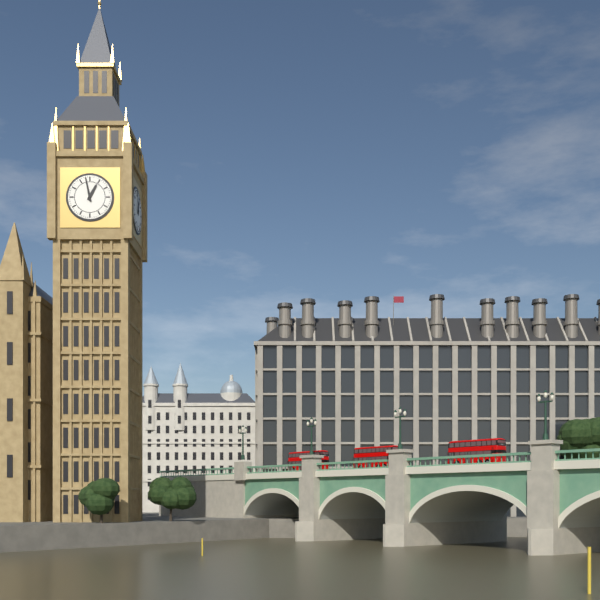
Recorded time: 12:58
